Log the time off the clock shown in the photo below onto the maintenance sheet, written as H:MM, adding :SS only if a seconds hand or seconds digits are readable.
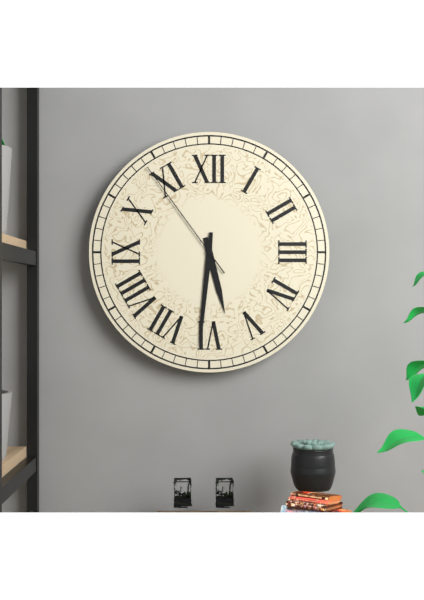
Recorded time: 5:31:54
